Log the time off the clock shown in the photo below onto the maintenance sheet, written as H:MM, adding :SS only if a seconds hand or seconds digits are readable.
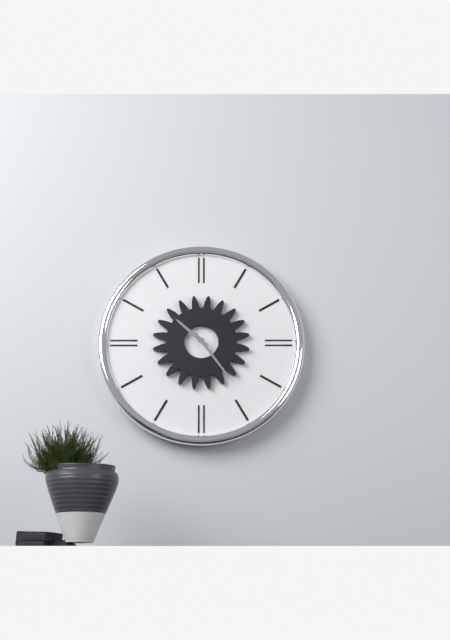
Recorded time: 10:24
